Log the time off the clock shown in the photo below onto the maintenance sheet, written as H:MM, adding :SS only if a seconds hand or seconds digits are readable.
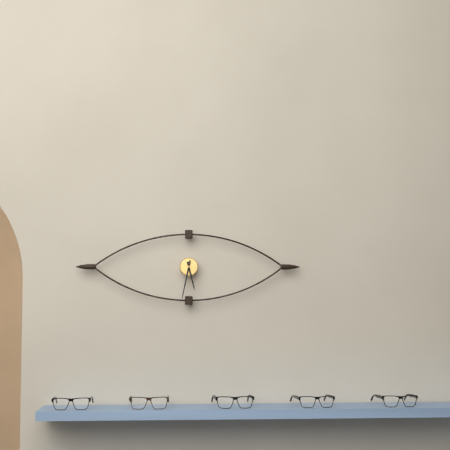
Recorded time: 5:32
